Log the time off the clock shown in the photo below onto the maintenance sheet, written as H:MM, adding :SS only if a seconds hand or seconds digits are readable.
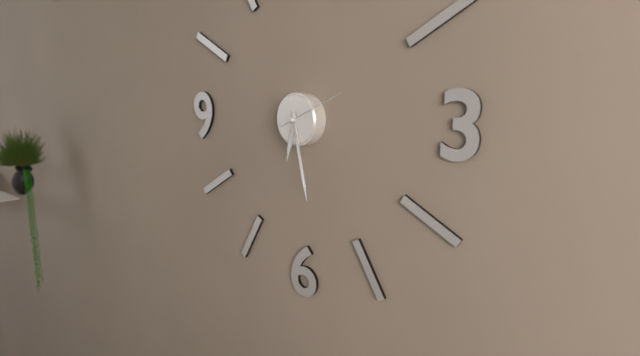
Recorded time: 6:28:11
